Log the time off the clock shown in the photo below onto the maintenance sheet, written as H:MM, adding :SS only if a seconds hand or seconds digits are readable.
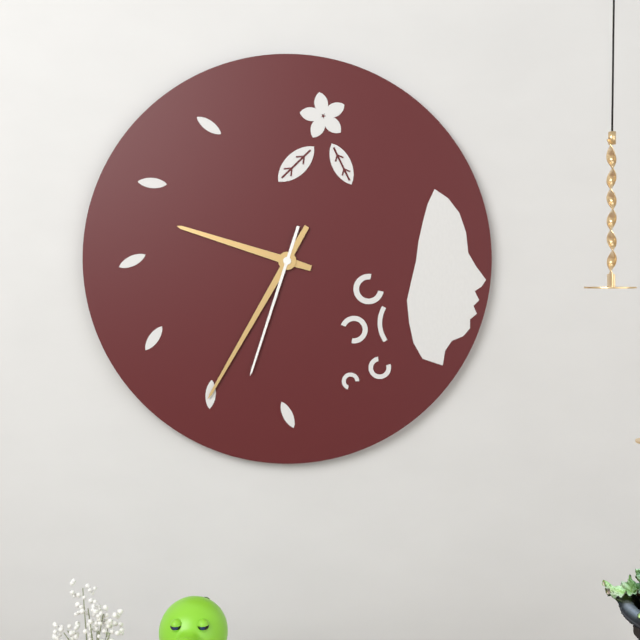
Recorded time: 9:35:33
